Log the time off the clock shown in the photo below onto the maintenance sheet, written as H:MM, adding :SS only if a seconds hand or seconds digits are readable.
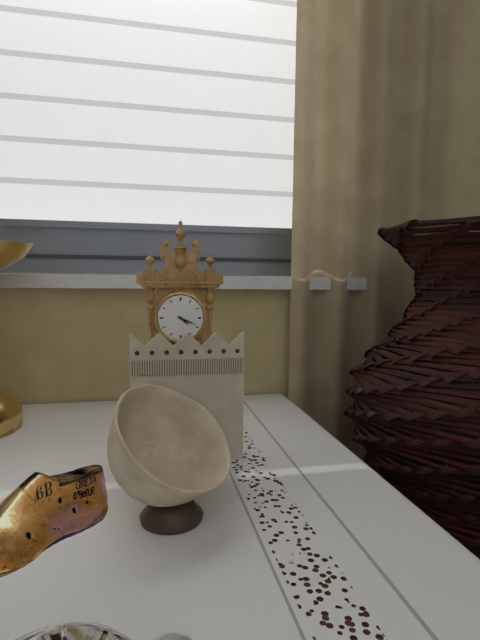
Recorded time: 4:19
